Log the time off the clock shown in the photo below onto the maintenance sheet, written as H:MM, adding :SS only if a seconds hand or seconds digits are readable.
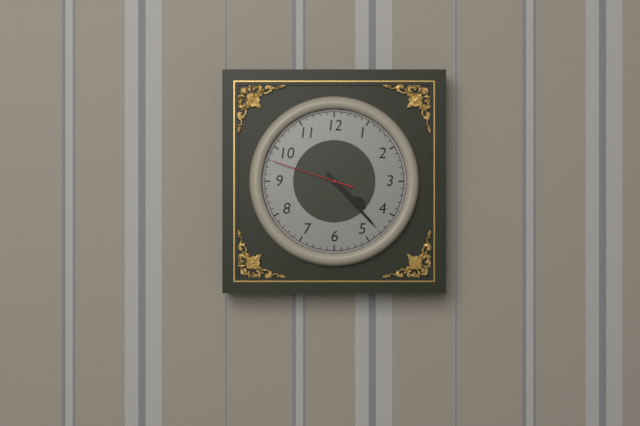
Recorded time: 4:23:48
